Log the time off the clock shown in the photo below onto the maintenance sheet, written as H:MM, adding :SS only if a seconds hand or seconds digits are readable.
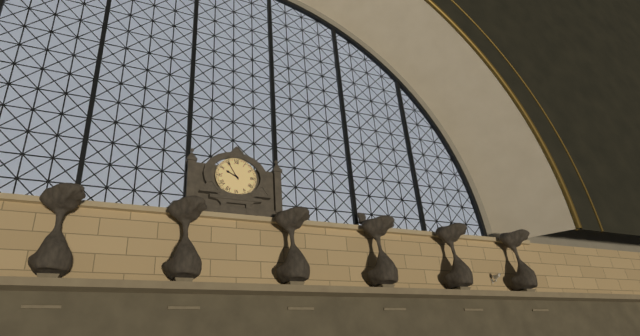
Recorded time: 9:55
